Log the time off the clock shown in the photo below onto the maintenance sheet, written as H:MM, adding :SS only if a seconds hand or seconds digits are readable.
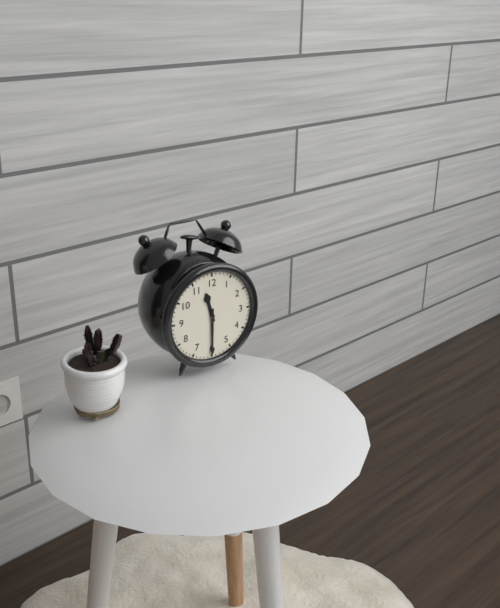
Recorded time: 11:30
